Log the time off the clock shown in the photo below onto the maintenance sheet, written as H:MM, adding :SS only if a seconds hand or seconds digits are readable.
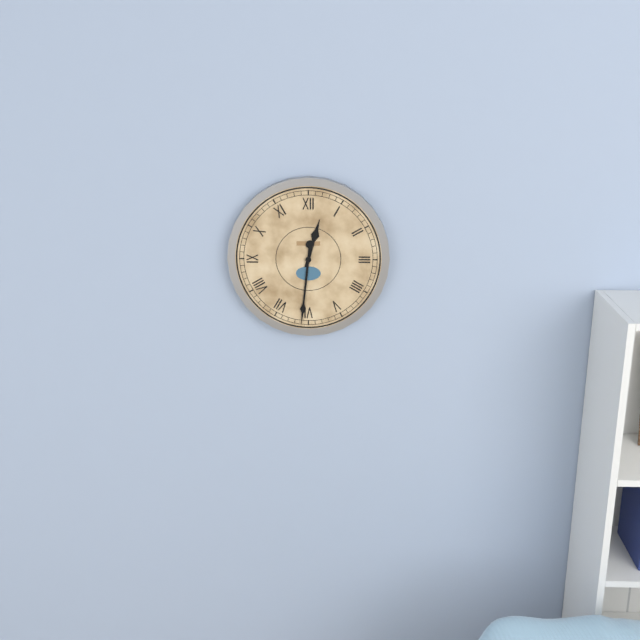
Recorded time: 12:31
